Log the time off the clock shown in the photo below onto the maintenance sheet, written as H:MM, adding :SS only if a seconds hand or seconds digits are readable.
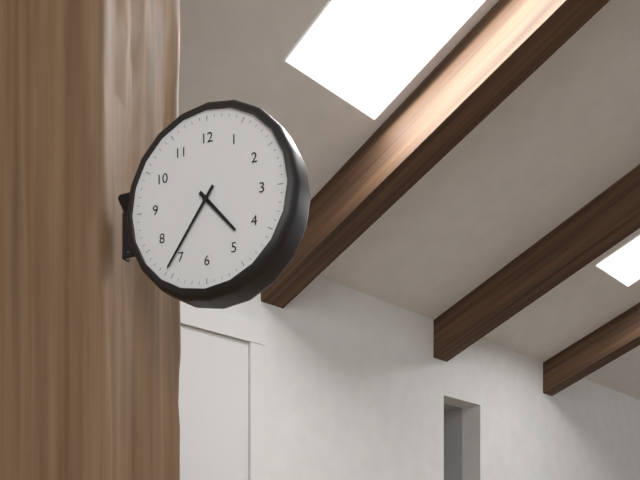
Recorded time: 4:36
